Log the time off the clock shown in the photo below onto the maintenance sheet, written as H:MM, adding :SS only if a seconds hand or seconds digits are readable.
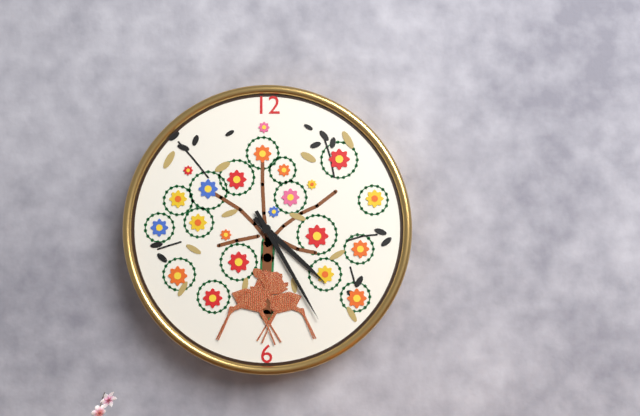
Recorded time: 4:25
